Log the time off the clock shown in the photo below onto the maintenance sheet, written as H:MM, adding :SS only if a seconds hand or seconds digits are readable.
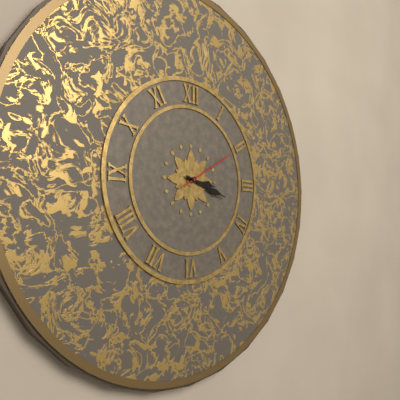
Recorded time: 3:18:10
